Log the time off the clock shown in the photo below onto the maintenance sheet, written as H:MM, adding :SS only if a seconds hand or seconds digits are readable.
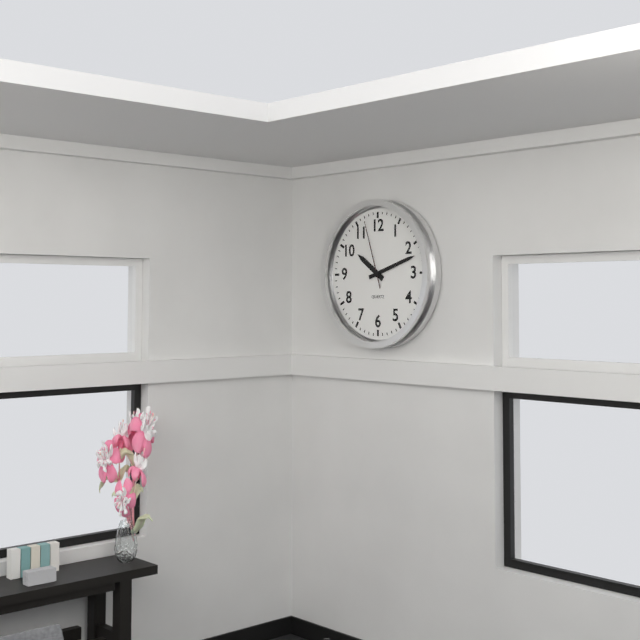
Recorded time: 10:12:57
